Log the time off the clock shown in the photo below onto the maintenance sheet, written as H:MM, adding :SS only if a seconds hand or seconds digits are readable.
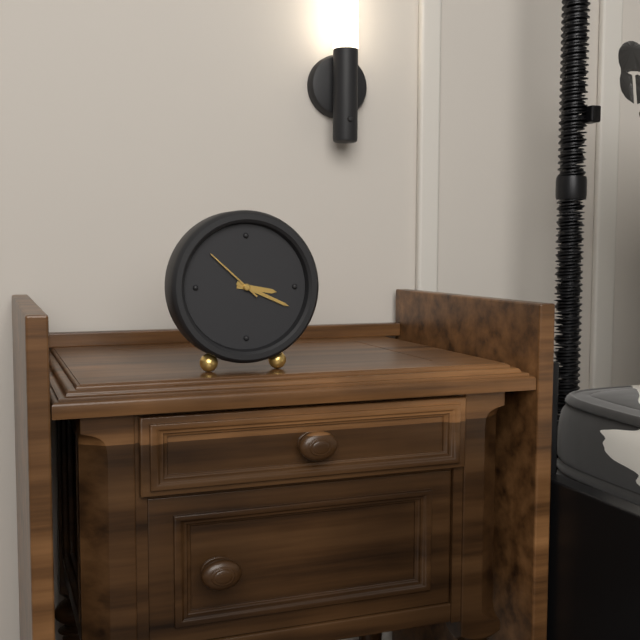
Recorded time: 3:19:52
